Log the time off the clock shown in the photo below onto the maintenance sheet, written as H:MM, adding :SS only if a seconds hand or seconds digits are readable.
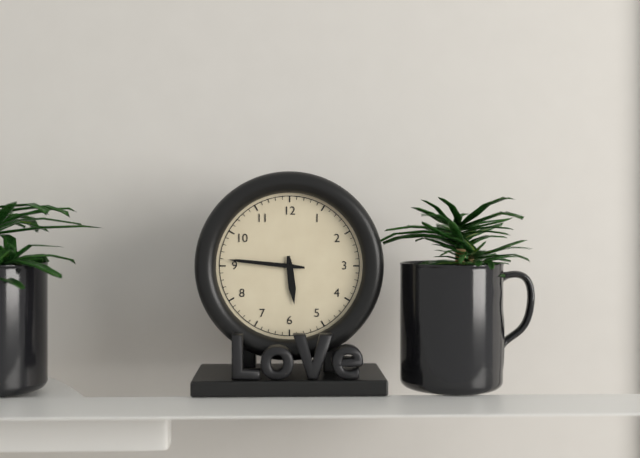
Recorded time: 5:46
